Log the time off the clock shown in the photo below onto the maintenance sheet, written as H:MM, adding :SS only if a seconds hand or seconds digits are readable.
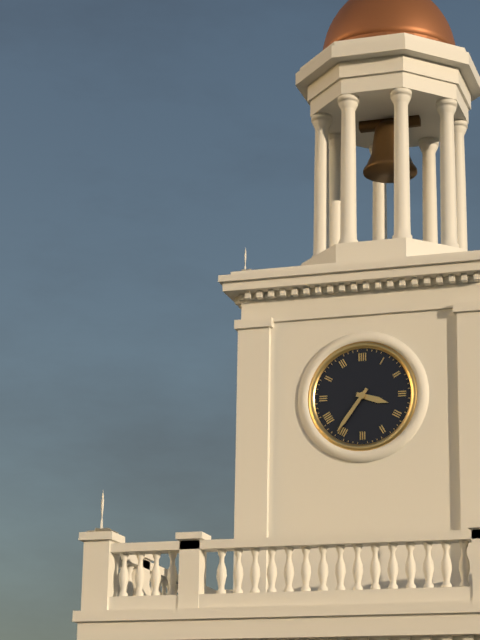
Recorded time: 3:36
